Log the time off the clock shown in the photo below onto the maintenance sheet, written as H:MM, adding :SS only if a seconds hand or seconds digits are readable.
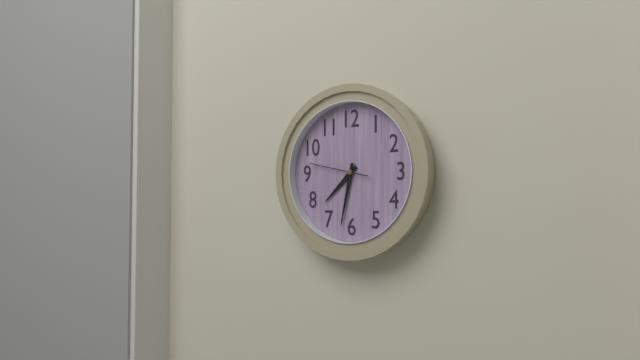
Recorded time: 7:32:47
